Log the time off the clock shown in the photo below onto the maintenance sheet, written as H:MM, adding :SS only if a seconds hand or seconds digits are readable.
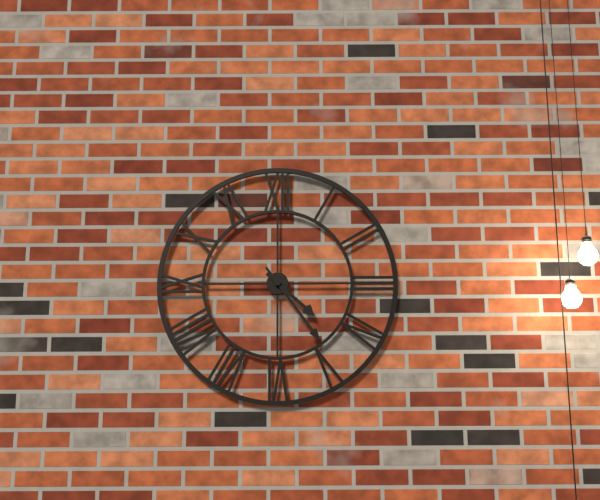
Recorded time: 4:24
